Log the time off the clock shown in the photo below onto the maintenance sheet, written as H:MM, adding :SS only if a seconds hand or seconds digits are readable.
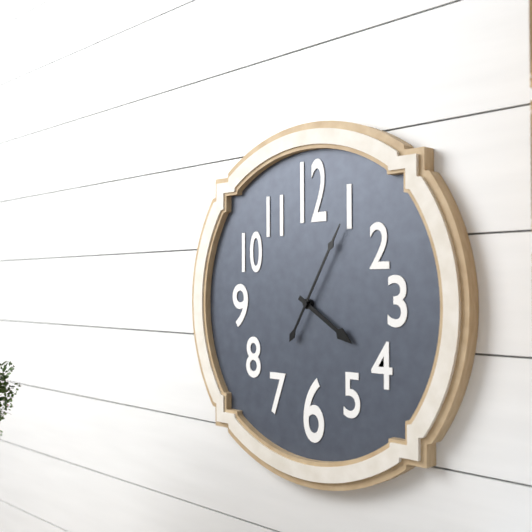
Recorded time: 4:05
